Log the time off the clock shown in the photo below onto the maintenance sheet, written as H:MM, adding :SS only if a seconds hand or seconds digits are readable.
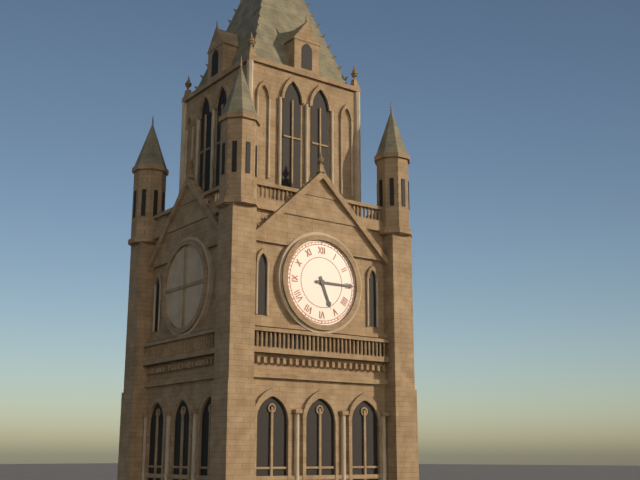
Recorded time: 5:15
